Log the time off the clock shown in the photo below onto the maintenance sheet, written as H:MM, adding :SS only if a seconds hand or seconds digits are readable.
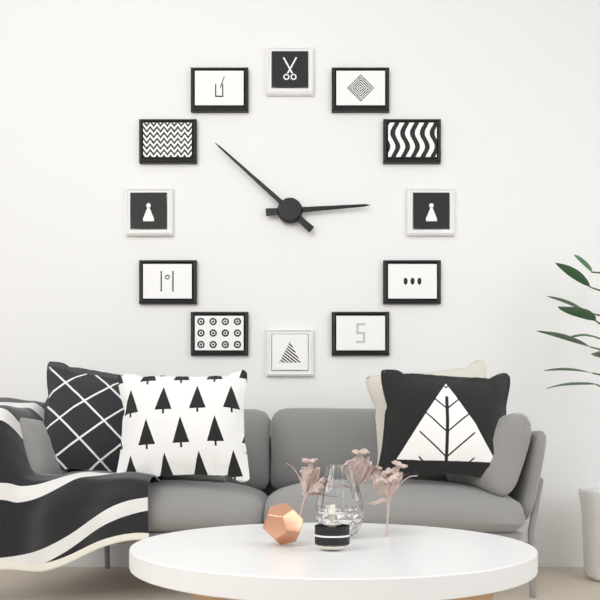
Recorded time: 2:52
